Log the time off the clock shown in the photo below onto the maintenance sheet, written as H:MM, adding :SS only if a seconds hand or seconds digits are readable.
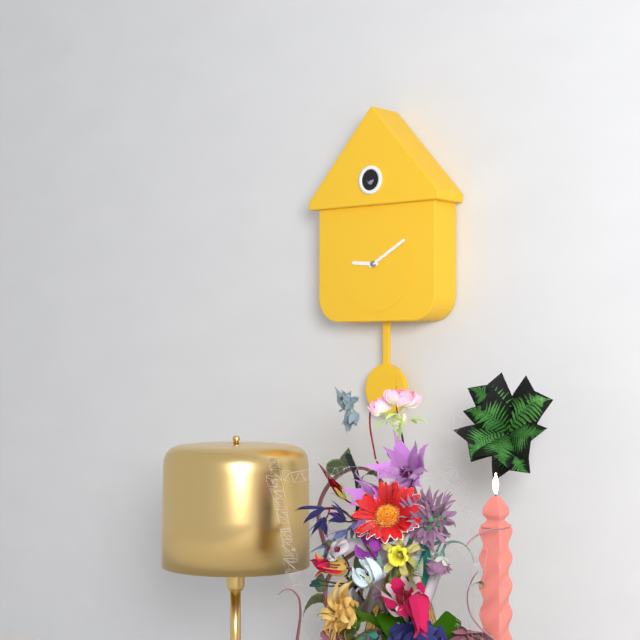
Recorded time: 9:10
